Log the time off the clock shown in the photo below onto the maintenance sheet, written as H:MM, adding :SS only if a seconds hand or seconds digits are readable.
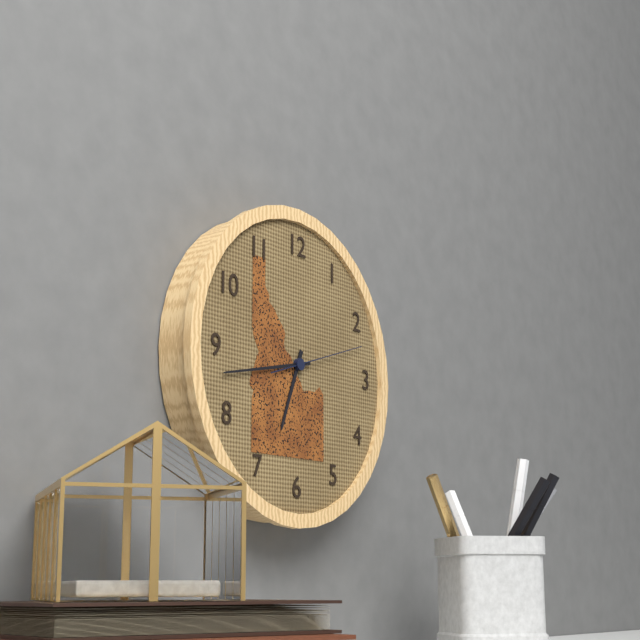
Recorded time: 6:43:12
